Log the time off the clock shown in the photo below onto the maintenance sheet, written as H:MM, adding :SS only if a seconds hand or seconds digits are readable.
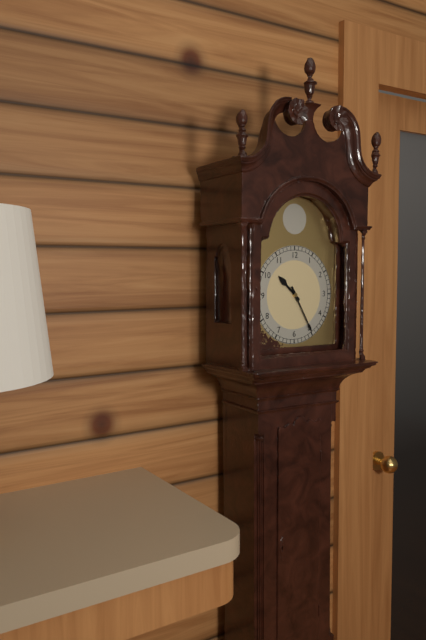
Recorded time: 10:25
